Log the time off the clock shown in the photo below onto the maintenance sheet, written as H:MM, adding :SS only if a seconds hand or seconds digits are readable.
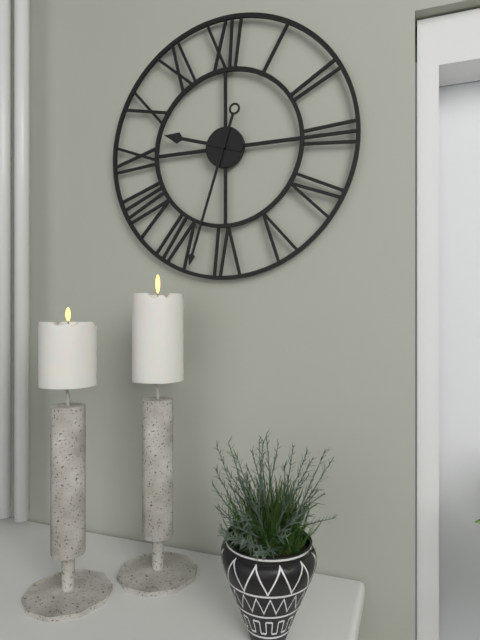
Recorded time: 9:33
